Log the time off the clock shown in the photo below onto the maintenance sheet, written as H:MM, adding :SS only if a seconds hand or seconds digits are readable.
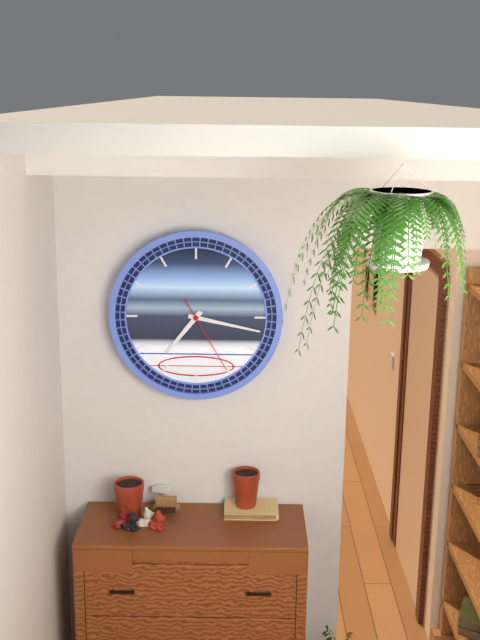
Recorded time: 7:17:25
